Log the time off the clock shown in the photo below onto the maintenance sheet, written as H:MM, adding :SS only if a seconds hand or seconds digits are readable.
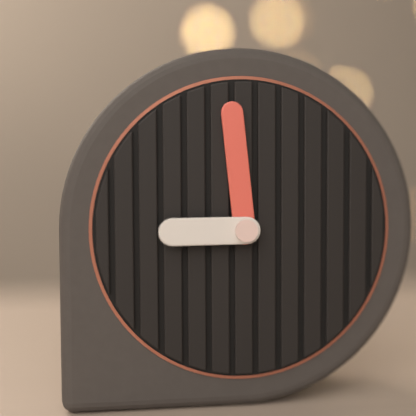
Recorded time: 8:59
